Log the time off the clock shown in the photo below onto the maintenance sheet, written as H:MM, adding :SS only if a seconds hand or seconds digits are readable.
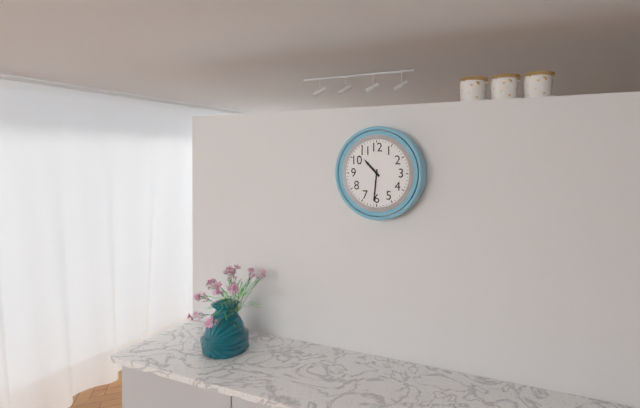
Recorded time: 10:31
